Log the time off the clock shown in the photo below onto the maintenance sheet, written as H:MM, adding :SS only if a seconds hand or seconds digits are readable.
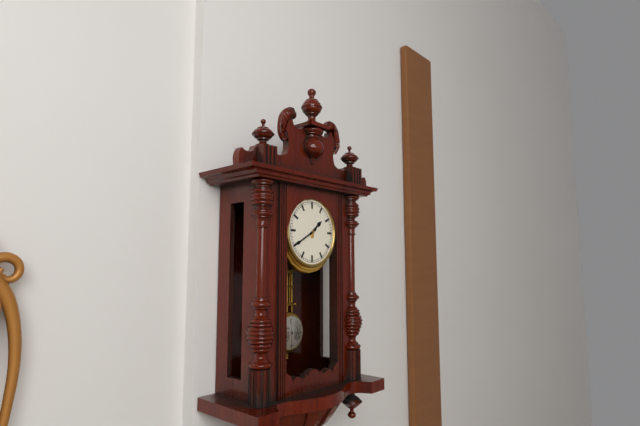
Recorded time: 1:40
